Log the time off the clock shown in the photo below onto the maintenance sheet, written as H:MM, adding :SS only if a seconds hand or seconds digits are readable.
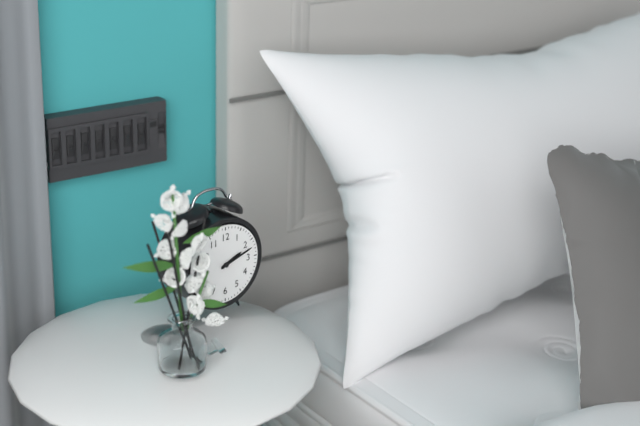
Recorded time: 2:12
